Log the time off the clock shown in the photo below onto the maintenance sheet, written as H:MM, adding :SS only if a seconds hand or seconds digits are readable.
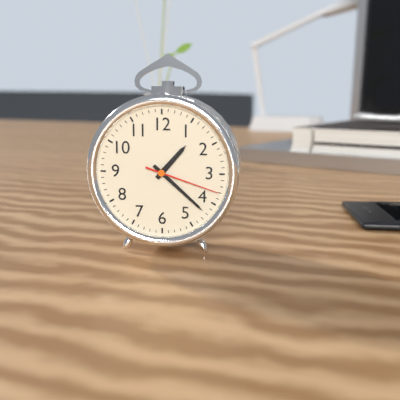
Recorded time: 1:22:18
